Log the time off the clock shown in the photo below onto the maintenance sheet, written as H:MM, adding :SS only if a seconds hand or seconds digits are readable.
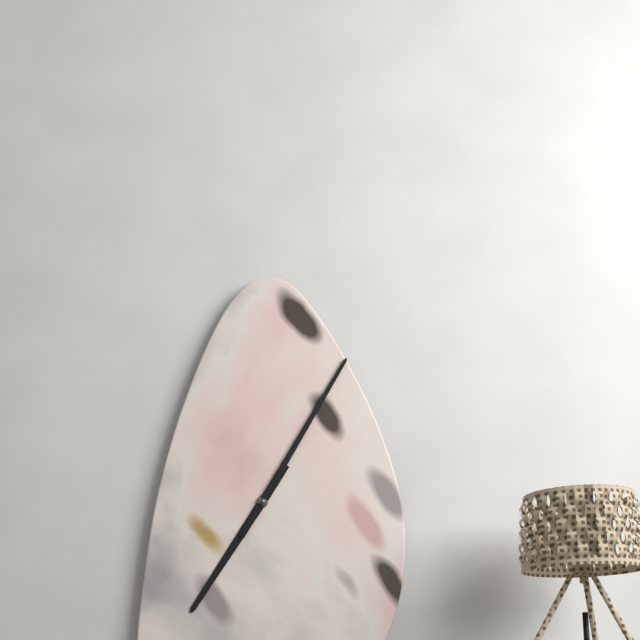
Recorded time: 7:05
